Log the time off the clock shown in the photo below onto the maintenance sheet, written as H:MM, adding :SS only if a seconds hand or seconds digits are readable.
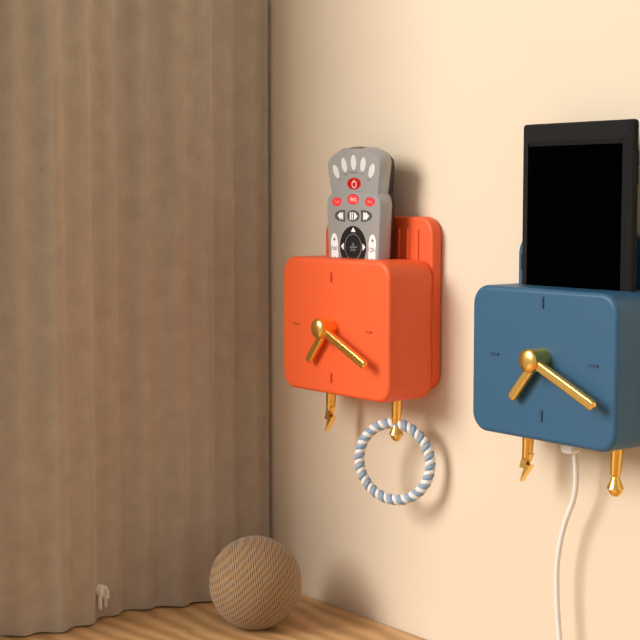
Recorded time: 7:19
